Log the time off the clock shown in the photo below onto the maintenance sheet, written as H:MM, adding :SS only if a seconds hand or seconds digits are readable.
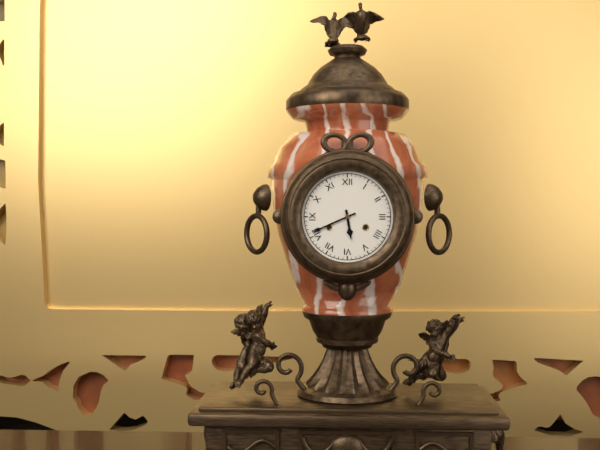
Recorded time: 5:41
